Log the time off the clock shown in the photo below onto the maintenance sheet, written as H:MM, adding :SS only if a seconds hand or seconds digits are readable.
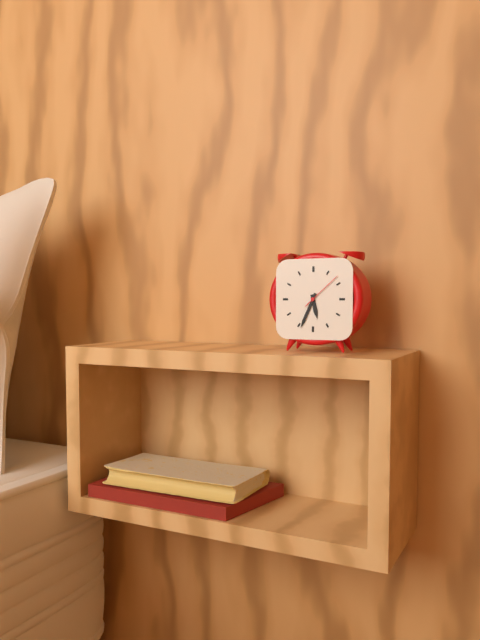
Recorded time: 5:34
